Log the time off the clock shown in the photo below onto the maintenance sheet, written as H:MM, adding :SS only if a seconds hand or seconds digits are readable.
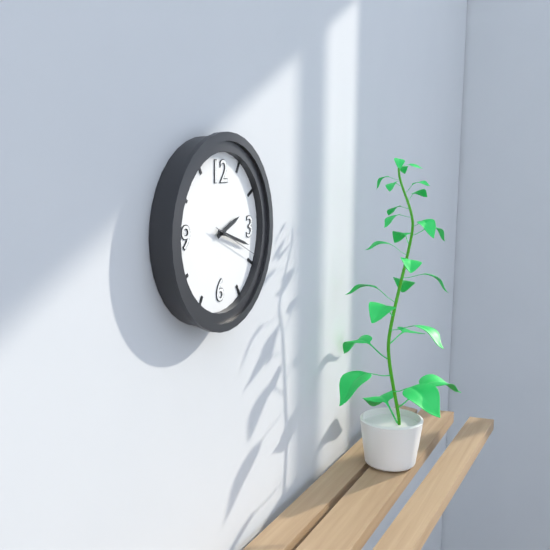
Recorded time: 2:18:19
